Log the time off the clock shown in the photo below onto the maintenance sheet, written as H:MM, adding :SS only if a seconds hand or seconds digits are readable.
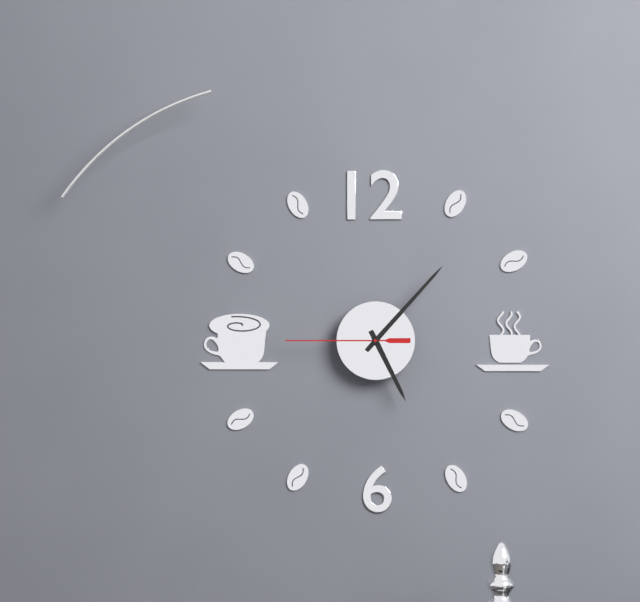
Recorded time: 5:07:45
